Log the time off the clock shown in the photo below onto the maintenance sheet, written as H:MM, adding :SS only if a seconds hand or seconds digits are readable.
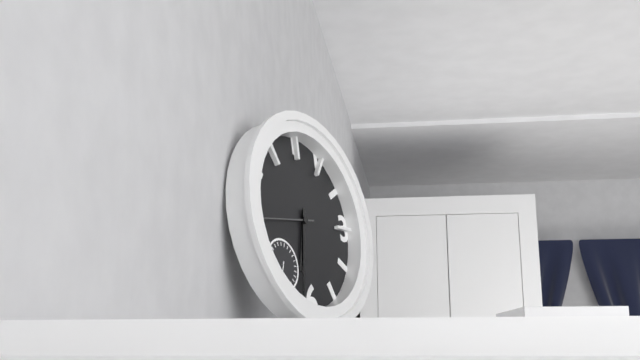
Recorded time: 6:32:44
